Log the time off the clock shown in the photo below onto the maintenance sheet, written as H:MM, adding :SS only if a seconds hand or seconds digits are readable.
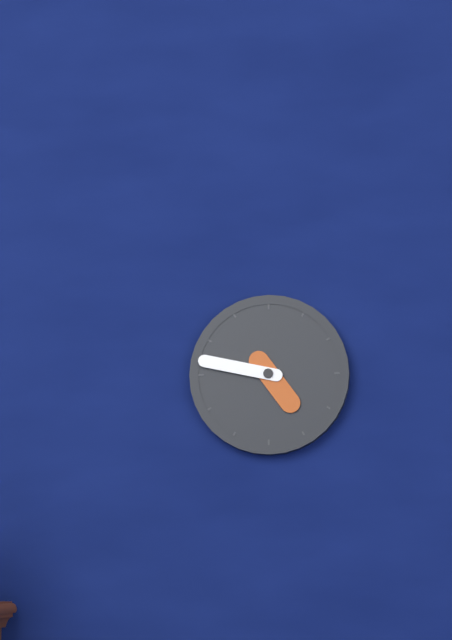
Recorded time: 4:47
